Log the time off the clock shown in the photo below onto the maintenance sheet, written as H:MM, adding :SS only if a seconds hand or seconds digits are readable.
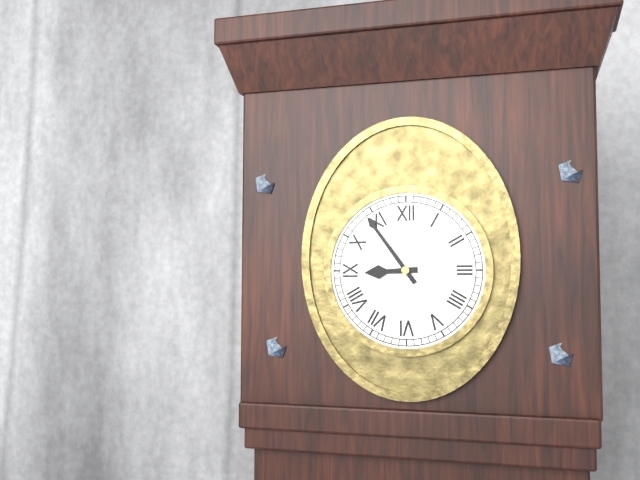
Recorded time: 8:54
